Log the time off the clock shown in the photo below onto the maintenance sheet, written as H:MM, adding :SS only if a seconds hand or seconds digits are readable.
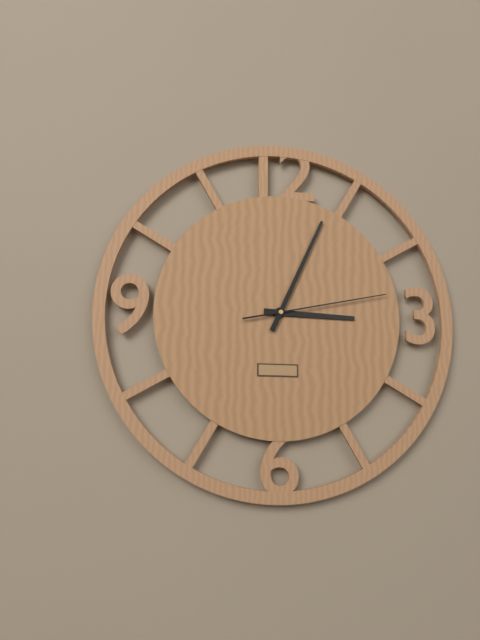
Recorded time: 3:04:13
